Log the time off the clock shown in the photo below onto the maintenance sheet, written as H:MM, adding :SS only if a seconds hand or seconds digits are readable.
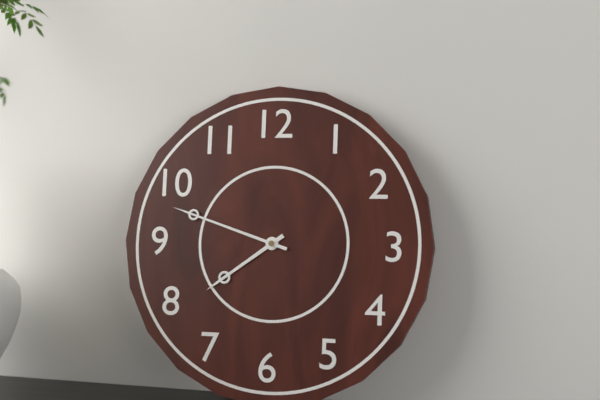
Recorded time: 7:48
